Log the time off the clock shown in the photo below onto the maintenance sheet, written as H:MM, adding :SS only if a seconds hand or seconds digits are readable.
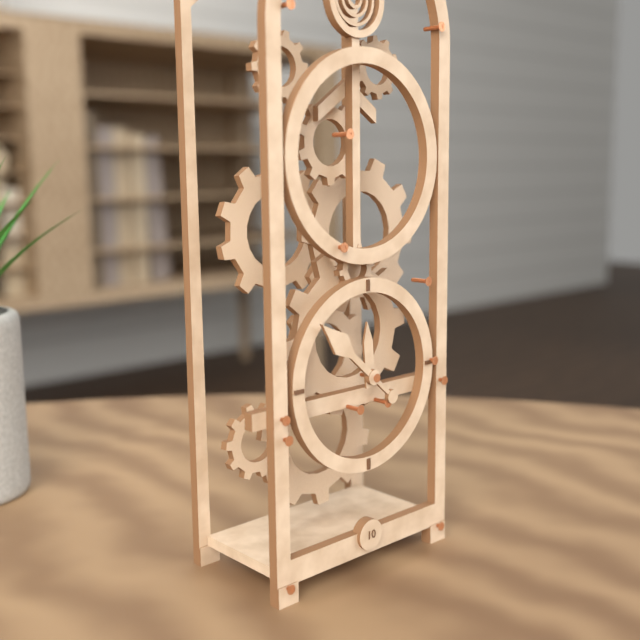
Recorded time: 11:52
